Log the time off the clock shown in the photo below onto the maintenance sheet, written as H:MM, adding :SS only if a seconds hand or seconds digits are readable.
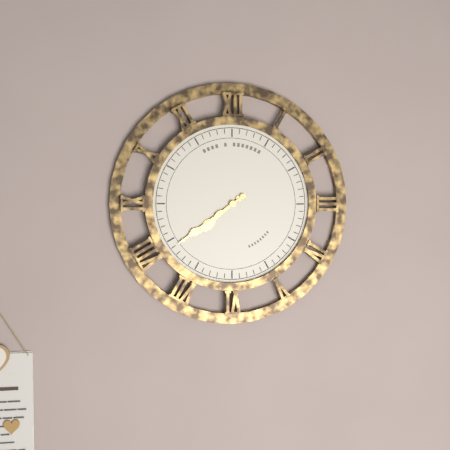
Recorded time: 7:39
